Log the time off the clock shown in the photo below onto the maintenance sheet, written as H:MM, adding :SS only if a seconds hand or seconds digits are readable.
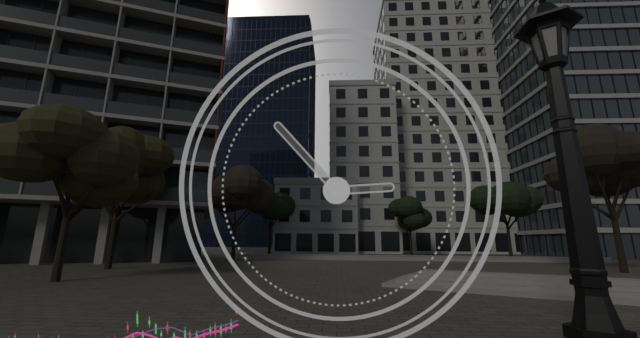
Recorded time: 2:53
